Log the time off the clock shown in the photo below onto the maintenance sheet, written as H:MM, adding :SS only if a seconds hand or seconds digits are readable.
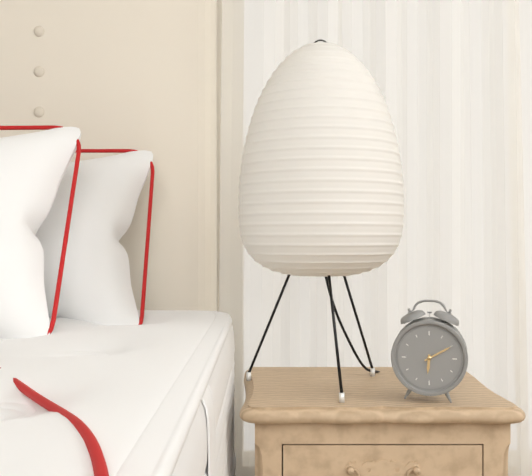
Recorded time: 6:10
